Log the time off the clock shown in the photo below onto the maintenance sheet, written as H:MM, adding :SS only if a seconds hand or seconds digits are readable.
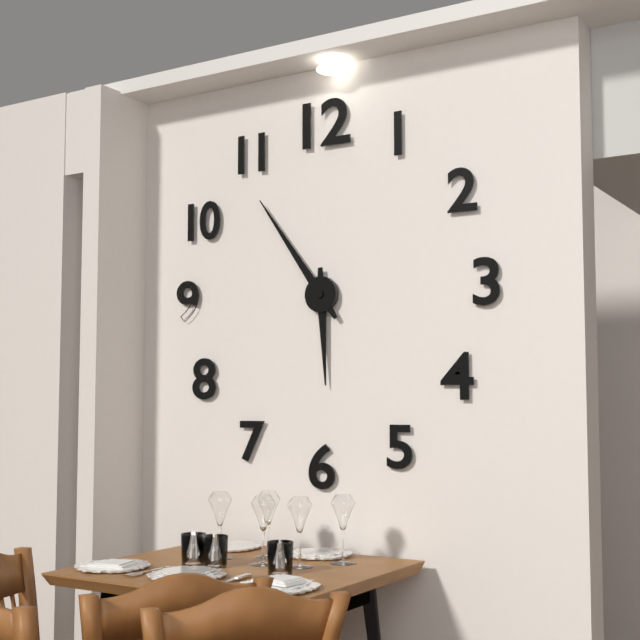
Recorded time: 5:54
